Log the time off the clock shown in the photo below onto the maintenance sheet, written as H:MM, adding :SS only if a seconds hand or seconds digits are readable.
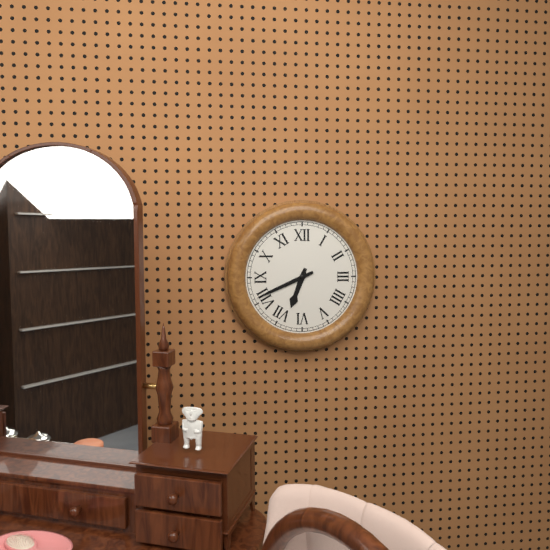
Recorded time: 6:41
